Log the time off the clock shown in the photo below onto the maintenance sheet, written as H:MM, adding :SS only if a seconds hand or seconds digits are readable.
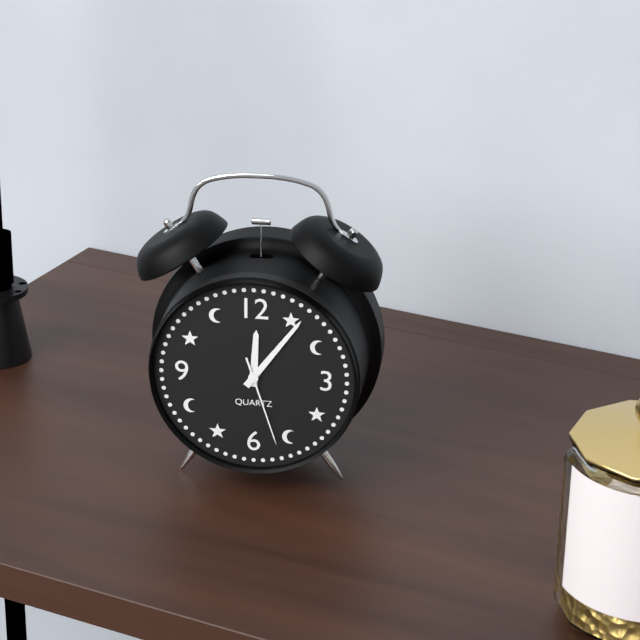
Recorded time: 12:06:27
